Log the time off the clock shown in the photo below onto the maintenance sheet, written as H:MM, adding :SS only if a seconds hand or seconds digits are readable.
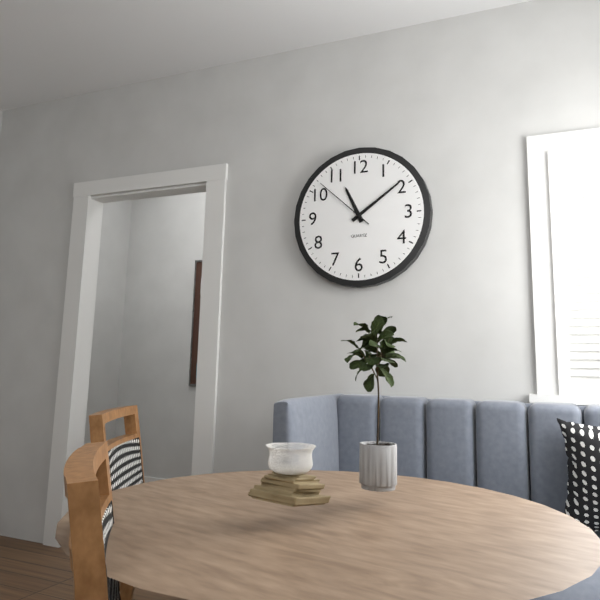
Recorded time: 11:09:52
